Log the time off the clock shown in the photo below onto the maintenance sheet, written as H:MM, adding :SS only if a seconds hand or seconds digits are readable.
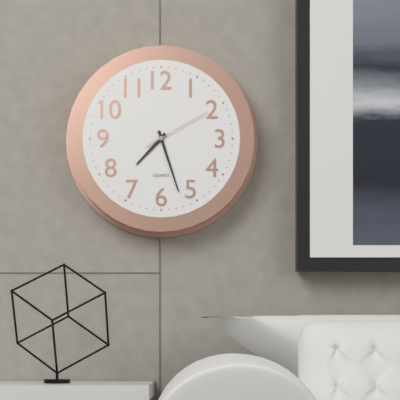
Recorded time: 7:27:10
